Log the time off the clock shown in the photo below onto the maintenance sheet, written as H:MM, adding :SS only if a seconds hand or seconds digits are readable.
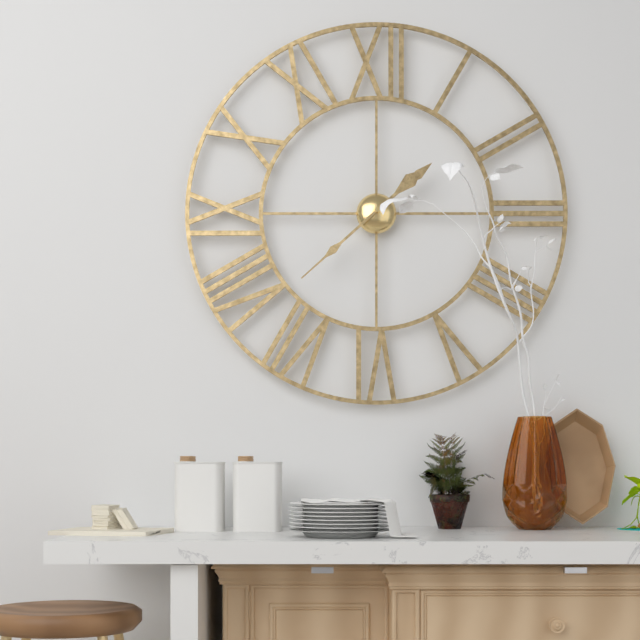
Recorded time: 1:38
